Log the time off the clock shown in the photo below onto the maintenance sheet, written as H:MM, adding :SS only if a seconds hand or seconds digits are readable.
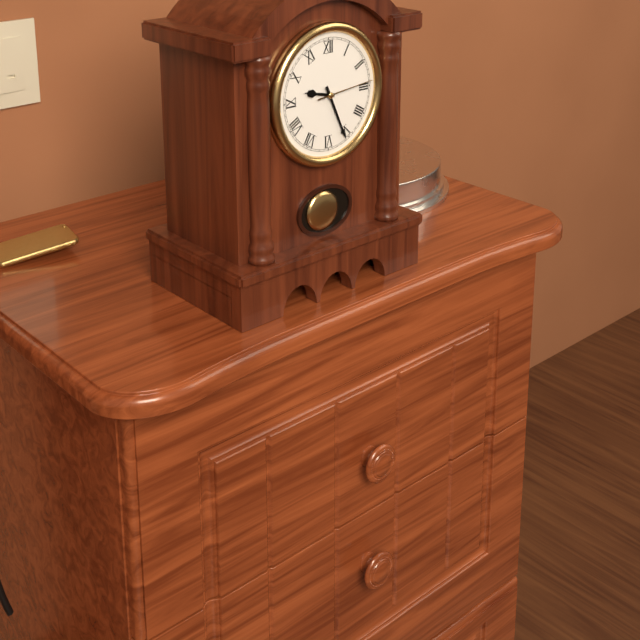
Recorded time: 9:26:14
